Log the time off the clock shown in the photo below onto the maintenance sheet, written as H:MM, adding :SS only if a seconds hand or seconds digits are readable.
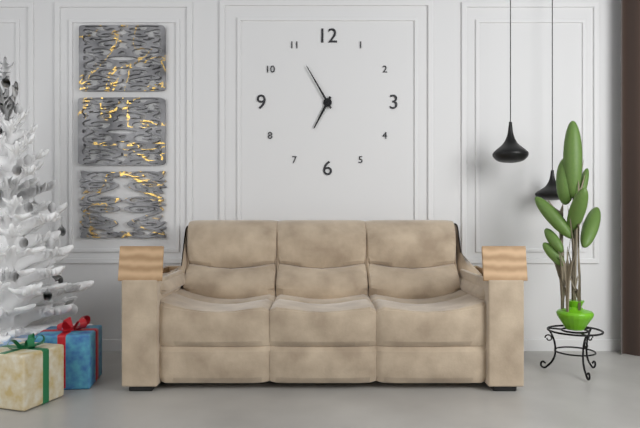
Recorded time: 6:55
